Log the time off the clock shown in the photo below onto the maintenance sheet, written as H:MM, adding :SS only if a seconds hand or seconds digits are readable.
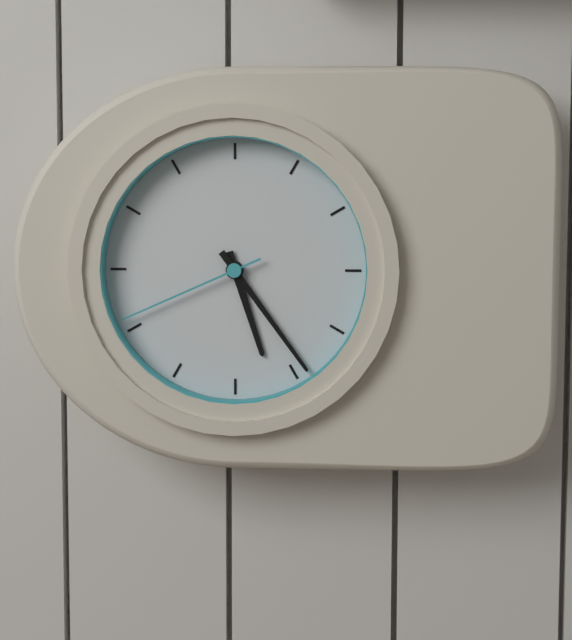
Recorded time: 5:24:41
